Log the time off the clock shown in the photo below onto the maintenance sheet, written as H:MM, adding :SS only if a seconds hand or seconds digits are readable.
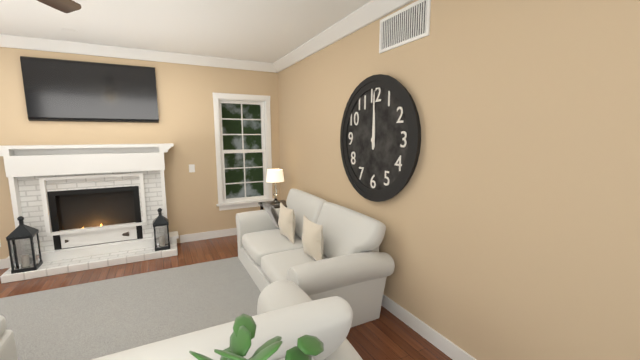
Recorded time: 12:00
